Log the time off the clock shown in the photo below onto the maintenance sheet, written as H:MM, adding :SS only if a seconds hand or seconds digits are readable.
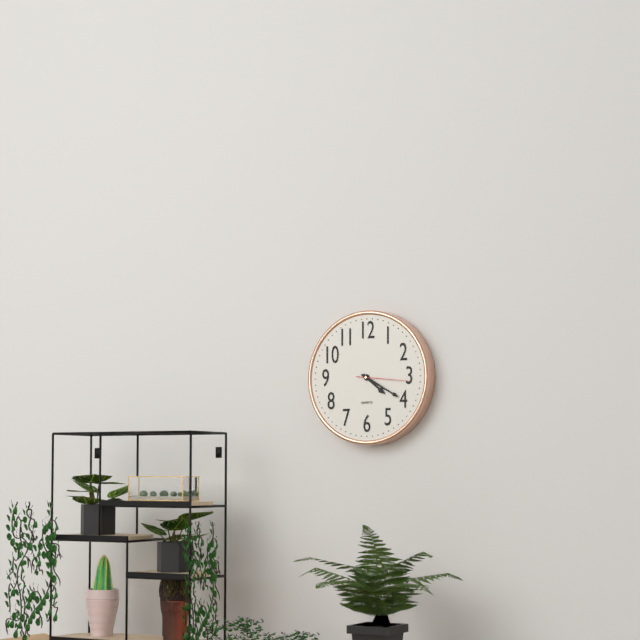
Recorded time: 4:20:16
